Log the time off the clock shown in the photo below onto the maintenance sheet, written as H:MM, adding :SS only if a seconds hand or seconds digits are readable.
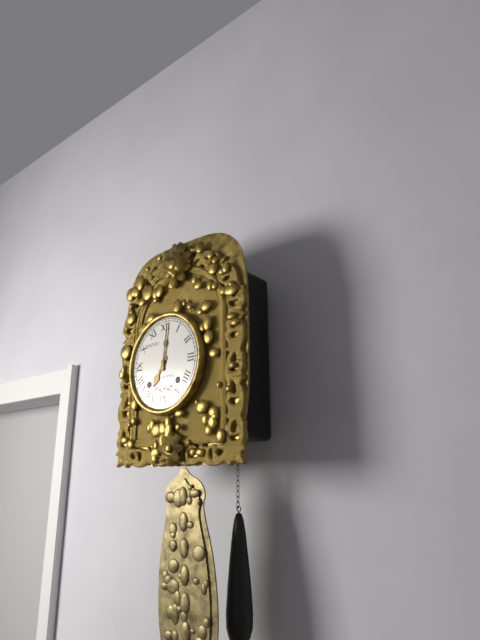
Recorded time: 7:01
